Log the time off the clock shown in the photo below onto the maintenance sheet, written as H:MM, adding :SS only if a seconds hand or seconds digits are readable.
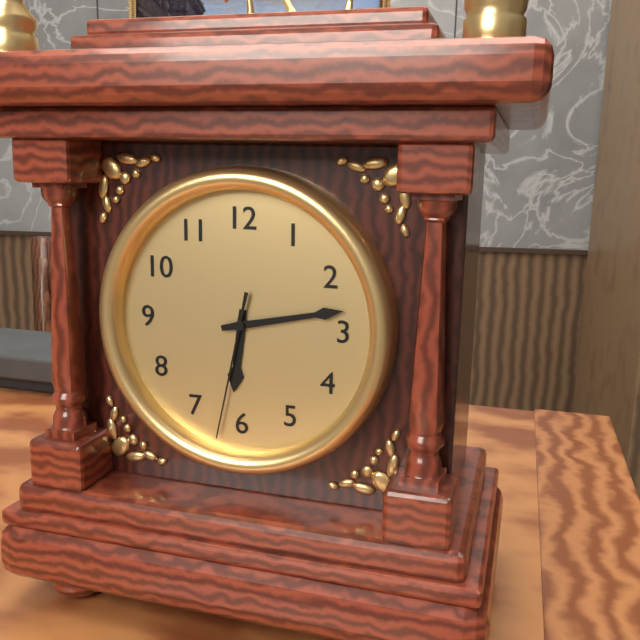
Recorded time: 6:13:32
